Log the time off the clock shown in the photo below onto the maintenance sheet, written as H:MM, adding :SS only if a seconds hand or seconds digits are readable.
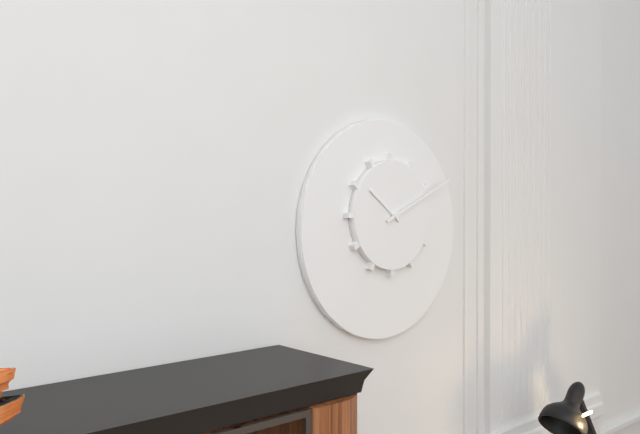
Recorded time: 10:11
